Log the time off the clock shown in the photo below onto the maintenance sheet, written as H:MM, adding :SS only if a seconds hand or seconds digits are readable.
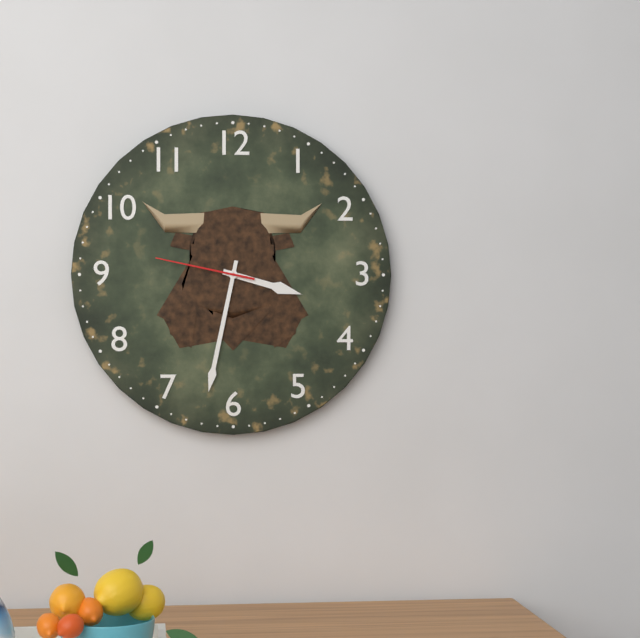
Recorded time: 3:32:47
